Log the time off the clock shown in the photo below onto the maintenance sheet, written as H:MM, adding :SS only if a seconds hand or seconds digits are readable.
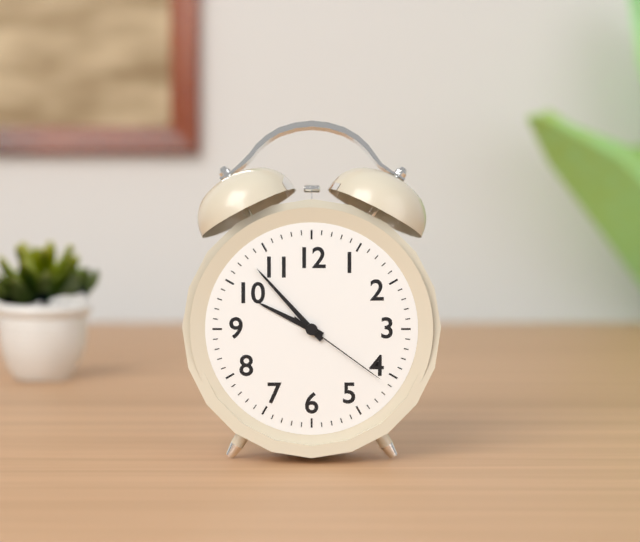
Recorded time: 9:53:21
